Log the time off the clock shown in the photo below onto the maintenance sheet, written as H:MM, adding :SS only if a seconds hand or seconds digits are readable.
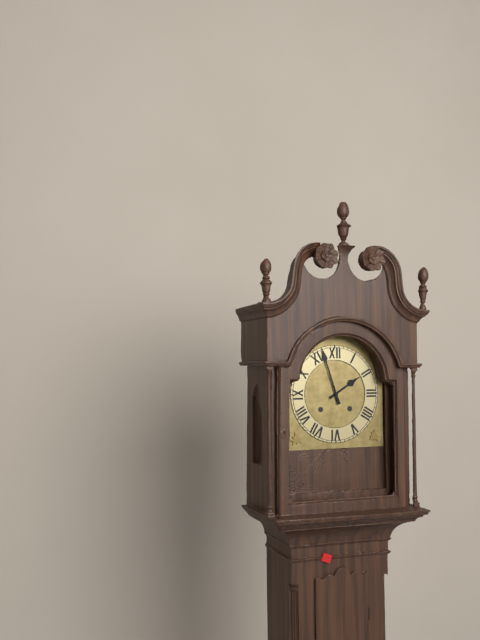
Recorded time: 1:57
